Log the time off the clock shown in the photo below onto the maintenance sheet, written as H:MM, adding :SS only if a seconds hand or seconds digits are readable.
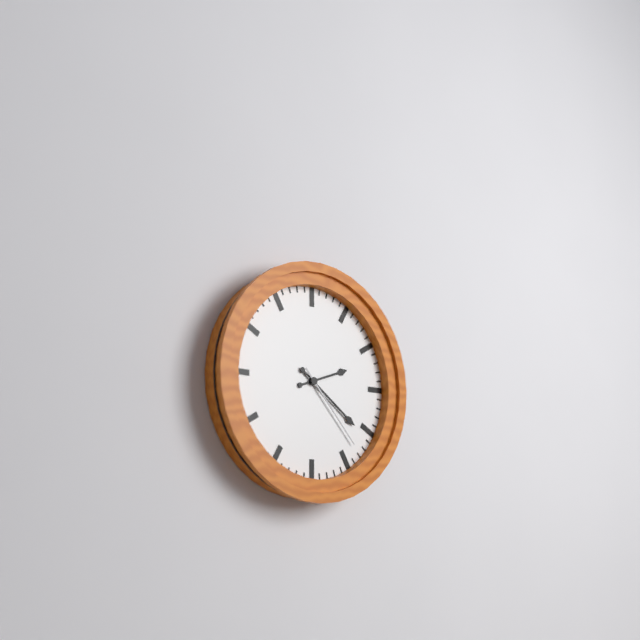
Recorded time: 2:21:23
